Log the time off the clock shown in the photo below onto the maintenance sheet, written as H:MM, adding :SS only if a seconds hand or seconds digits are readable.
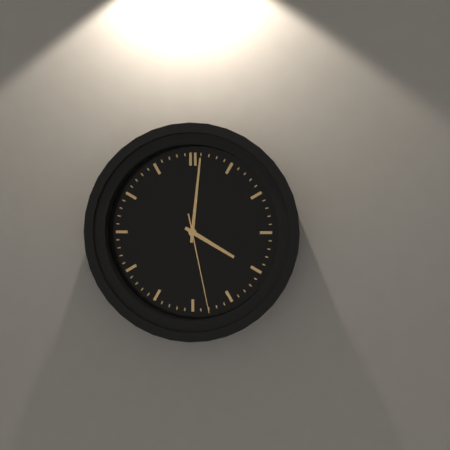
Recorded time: 4:01:28
